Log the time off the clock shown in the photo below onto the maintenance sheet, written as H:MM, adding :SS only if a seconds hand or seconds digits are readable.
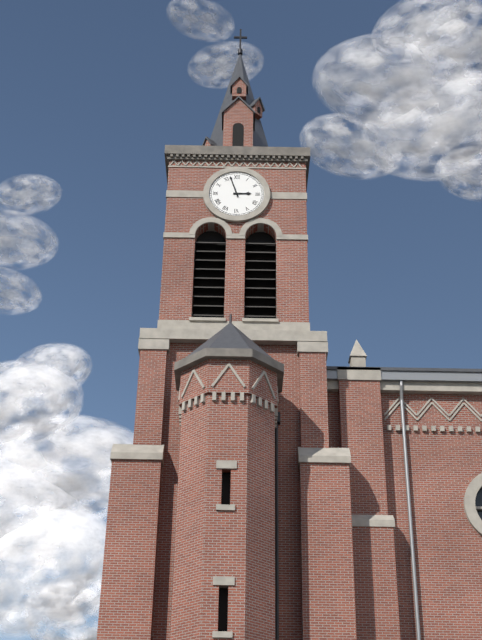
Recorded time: 2:57
